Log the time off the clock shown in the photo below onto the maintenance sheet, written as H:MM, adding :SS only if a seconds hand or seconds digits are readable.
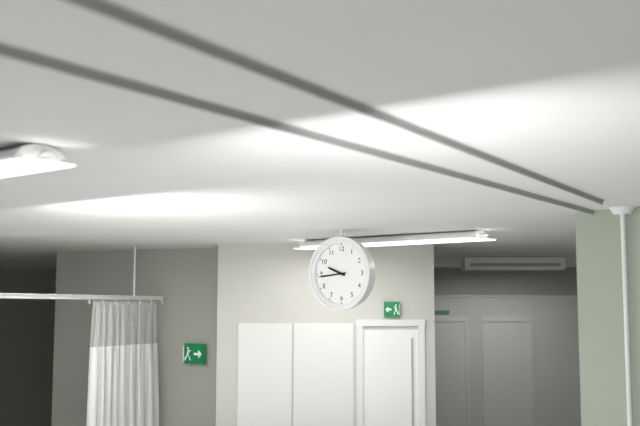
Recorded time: 9:44
